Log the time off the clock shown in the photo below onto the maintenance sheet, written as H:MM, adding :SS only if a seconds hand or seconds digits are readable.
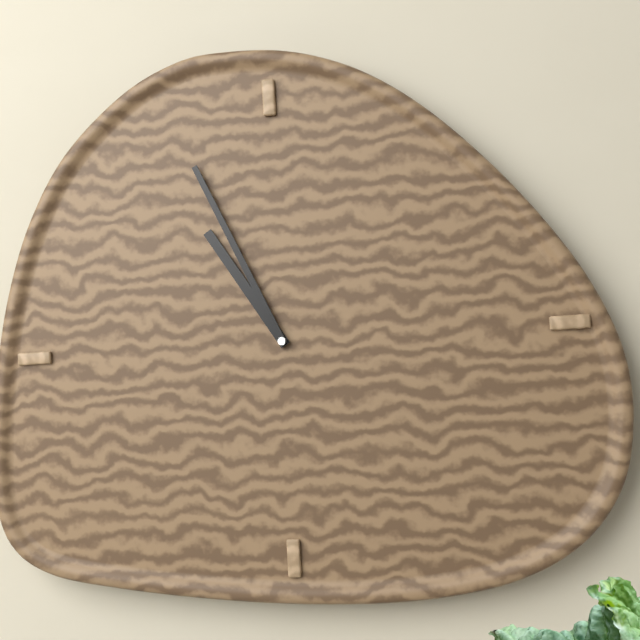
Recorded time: 10:56
